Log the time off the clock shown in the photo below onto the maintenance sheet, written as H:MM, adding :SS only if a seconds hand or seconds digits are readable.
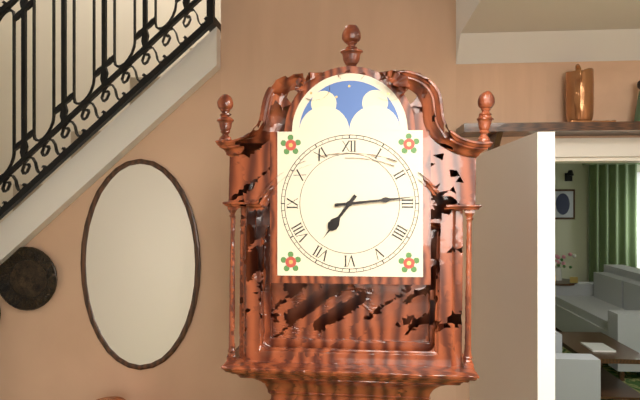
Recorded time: 7:14
